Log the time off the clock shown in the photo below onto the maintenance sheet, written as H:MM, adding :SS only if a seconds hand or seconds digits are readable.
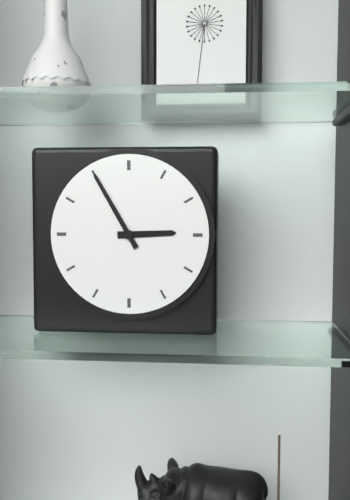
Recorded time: 2:55
